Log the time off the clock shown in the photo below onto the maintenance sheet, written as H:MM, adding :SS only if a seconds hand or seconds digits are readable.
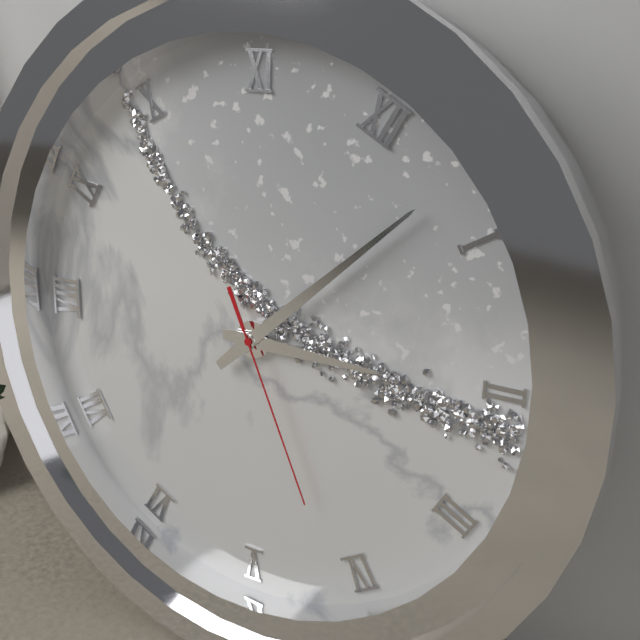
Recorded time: 2:03:21
